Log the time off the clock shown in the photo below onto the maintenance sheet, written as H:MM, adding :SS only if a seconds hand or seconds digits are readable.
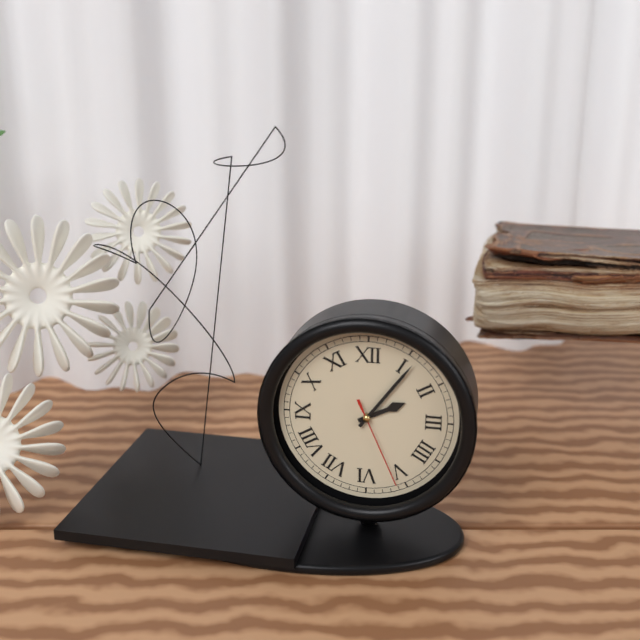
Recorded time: 2:06:26
